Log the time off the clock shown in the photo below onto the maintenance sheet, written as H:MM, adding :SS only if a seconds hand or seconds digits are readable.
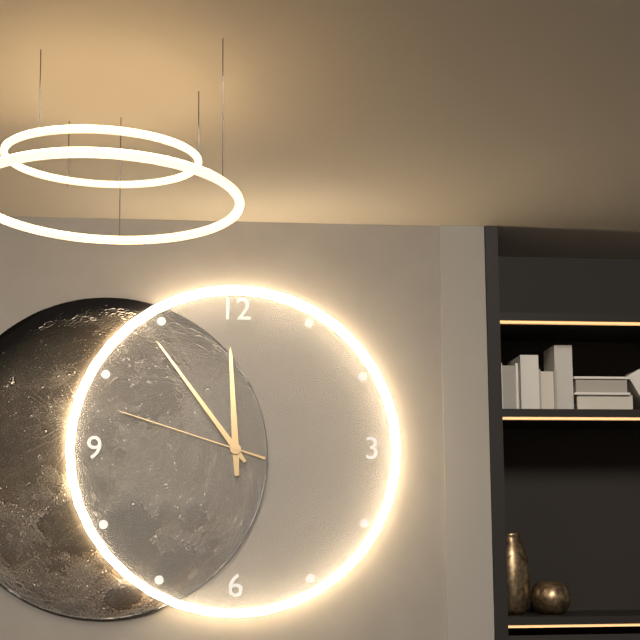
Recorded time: 11:54:48
